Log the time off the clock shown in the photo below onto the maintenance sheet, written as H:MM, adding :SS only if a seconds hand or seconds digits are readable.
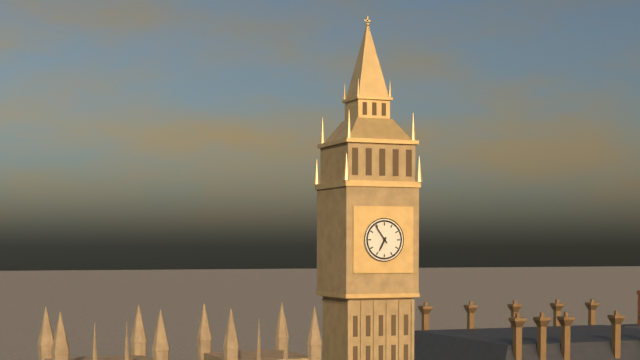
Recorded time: 6:54
